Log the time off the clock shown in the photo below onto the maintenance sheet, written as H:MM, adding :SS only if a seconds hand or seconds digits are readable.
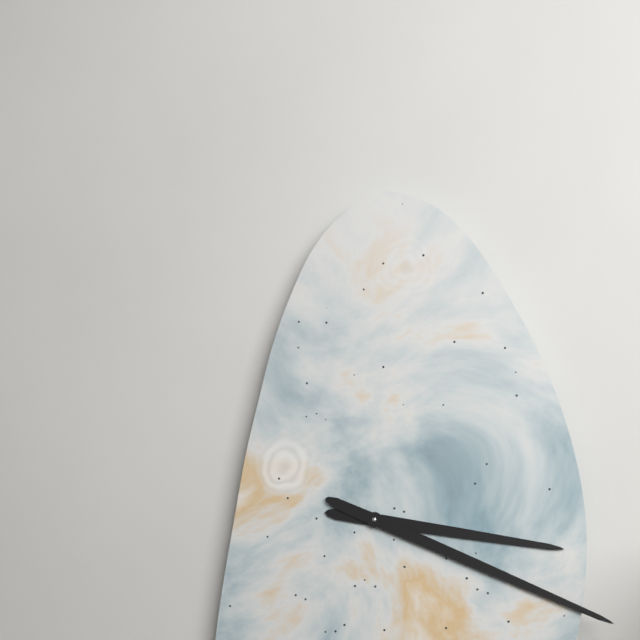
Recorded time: 3:19
